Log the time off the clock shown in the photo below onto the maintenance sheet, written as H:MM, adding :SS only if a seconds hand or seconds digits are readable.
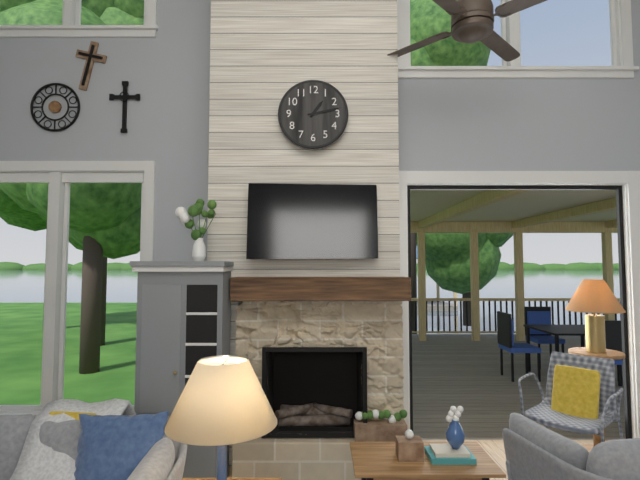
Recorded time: 1:13
